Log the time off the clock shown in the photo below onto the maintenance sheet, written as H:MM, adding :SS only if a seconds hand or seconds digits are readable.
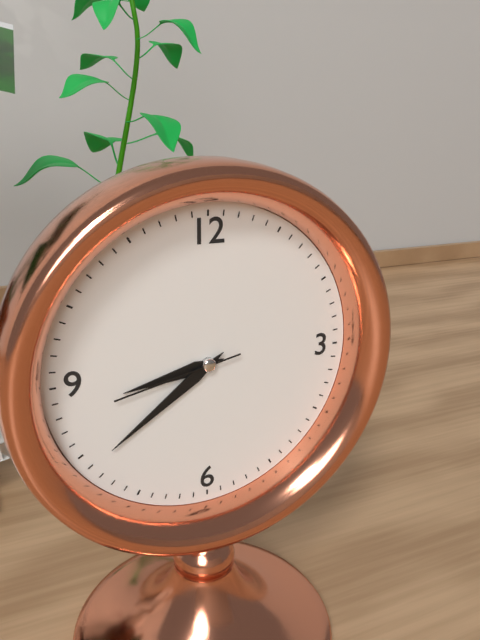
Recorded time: 8:39:43
